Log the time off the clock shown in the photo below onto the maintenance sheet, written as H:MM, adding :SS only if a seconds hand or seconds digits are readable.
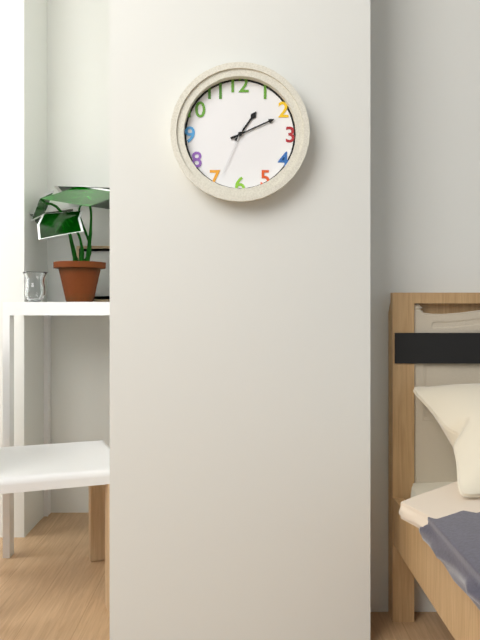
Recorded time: 1:11:34
